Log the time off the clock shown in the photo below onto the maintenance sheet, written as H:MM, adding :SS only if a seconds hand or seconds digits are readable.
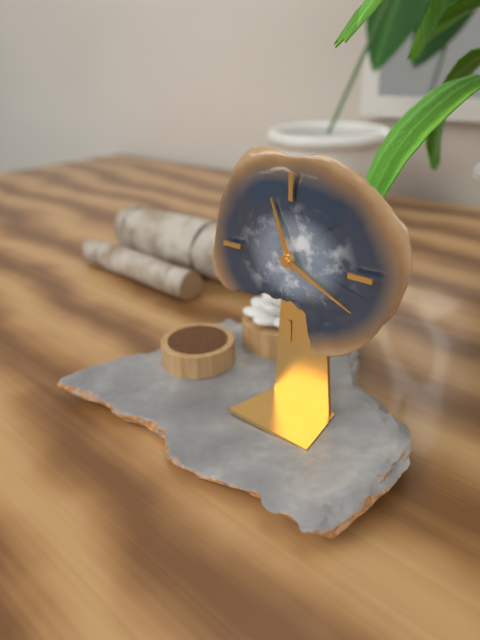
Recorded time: 11:19
